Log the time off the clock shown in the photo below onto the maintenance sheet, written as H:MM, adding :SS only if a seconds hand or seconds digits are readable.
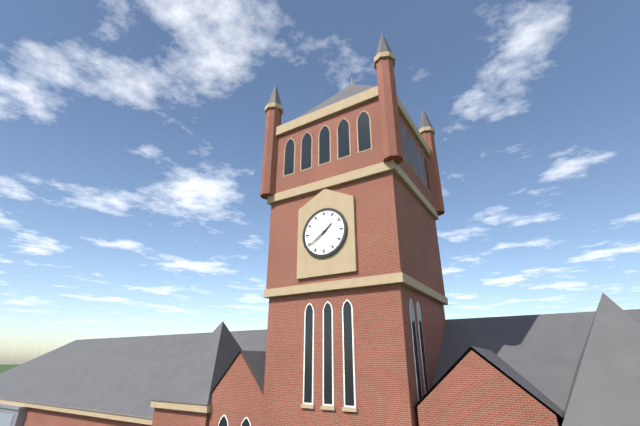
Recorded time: 1:39
